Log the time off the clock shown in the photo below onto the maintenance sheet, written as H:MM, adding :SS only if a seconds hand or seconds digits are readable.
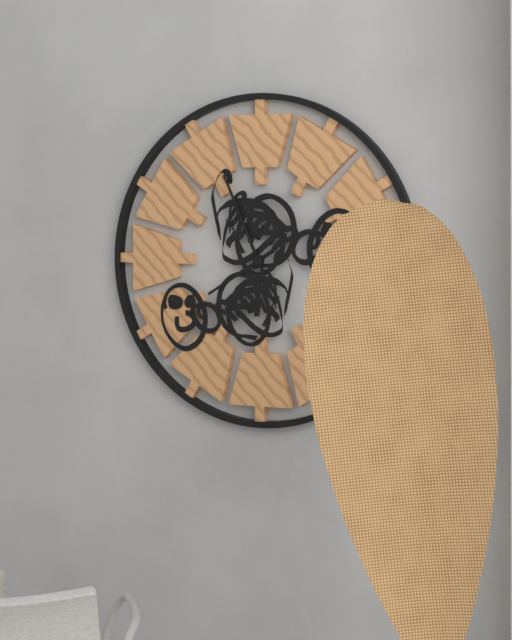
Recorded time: 7:56
